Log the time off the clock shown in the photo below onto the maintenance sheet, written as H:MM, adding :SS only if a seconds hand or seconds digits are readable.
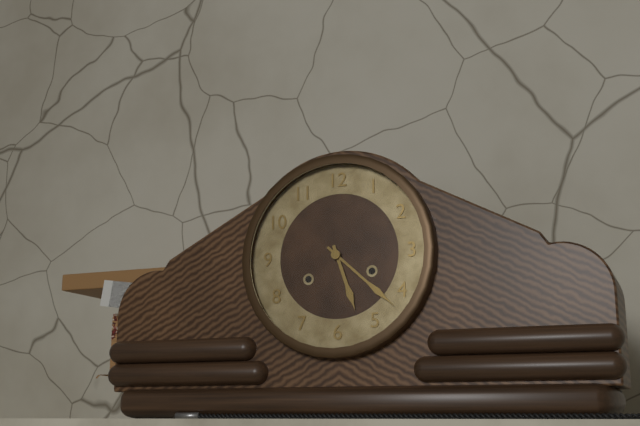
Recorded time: 5:22
